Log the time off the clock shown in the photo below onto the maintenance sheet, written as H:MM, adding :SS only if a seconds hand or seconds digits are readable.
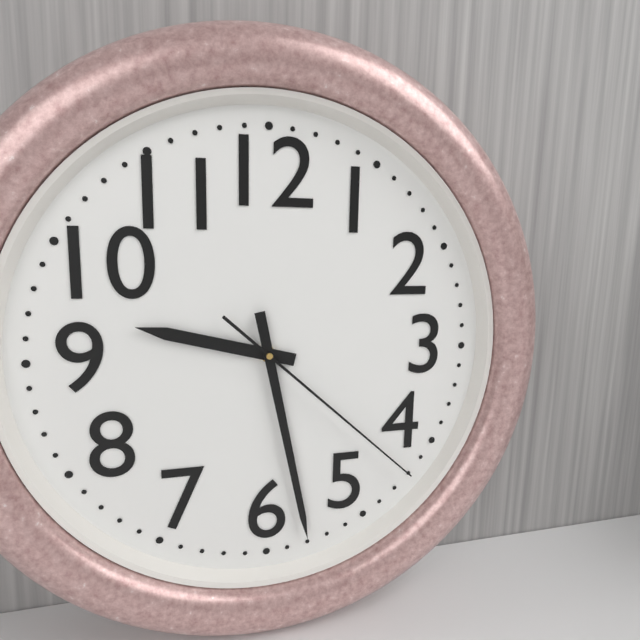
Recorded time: 9:28:22
